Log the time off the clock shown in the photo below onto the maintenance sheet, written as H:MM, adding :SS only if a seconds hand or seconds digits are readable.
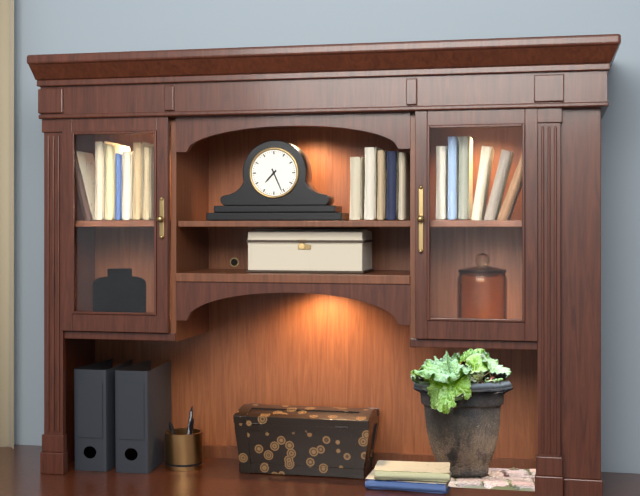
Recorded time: 7:26
